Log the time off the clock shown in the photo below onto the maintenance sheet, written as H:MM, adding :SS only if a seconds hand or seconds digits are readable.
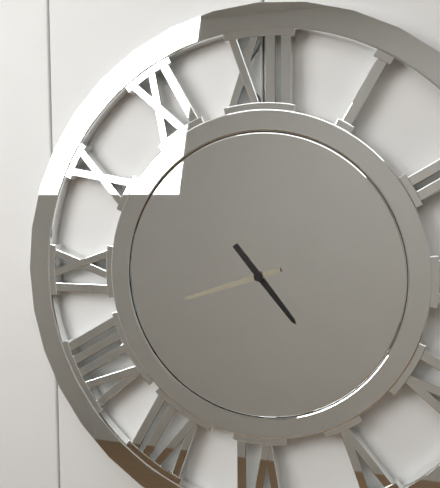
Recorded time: 4:42
